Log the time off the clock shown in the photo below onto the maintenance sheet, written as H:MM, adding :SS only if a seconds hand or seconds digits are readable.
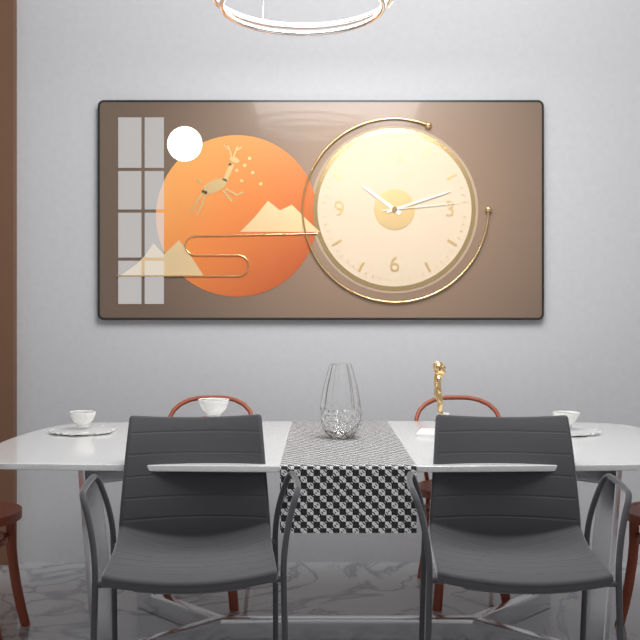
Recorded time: 10:12:14
